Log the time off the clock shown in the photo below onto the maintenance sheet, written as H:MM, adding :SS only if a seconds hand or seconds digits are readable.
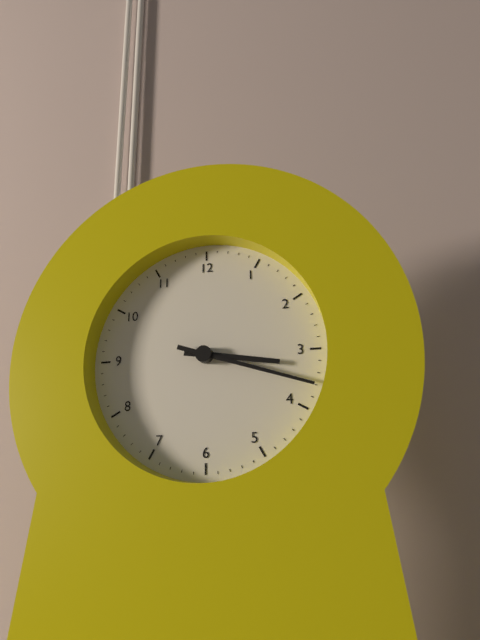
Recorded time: 3:18
